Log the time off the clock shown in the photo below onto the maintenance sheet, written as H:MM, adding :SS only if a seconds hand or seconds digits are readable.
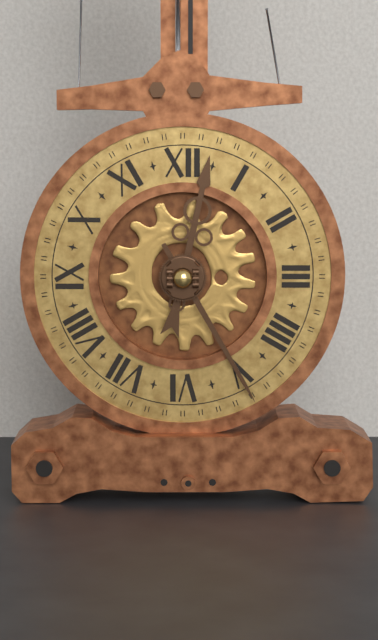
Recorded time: 12:25
